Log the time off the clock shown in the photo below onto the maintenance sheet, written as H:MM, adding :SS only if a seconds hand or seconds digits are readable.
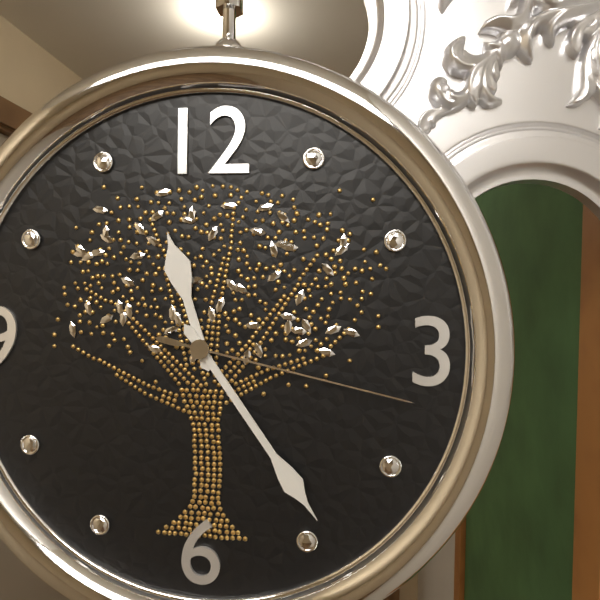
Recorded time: 11:24:17
